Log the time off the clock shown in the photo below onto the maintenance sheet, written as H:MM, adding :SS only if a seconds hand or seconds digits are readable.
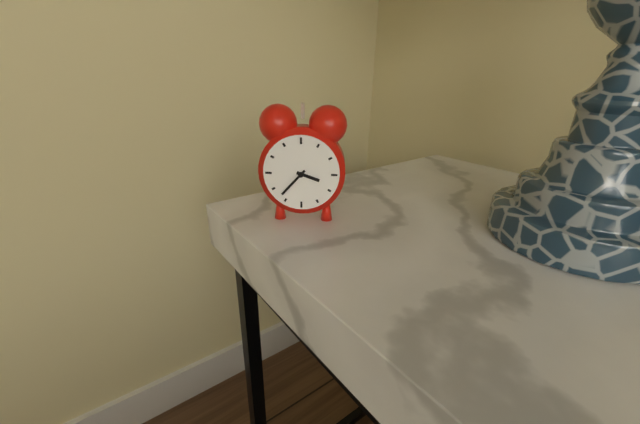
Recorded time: 3:37
